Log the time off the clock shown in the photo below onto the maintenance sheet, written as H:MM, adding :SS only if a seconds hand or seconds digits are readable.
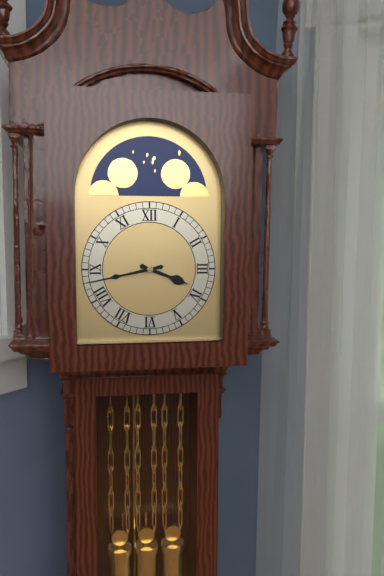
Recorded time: 3:43
